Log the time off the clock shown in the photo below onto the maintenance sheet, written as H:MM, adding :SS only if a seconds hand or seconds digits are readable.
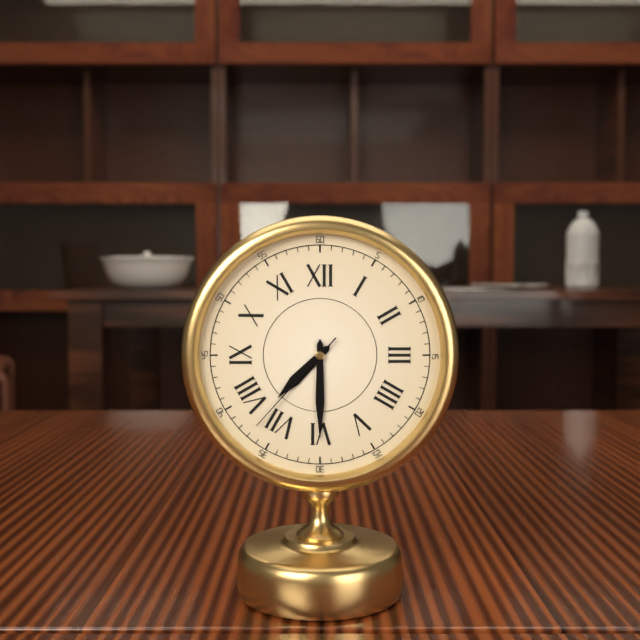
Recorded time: 7:30:37
